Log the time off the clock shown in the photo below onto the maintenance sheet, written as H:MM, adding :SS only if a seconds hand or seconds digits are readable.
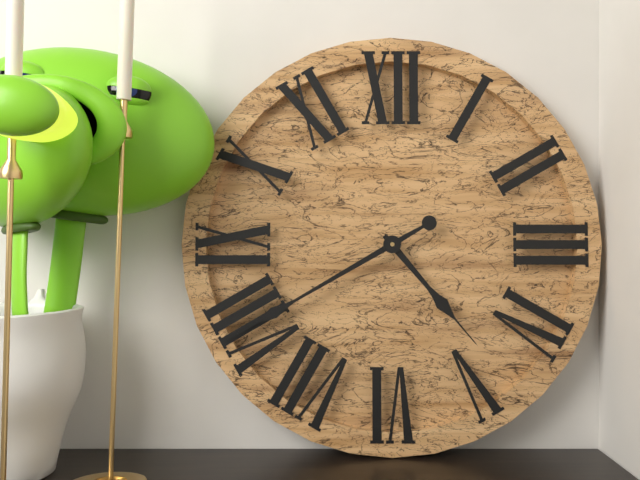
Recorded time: 4:40
